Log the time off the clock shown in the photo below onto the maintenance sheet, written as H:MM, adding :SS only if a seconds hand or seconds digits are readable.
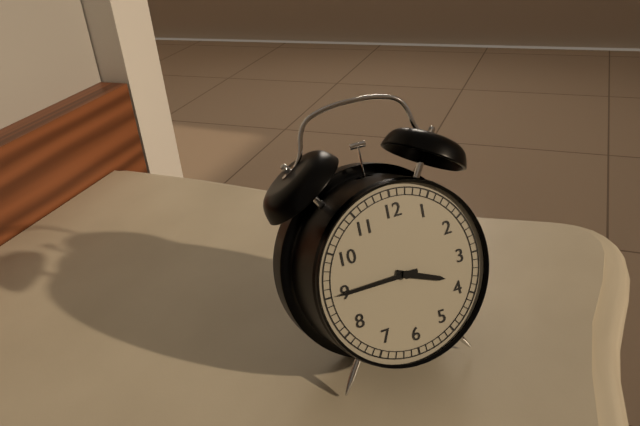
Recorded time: 3:45
